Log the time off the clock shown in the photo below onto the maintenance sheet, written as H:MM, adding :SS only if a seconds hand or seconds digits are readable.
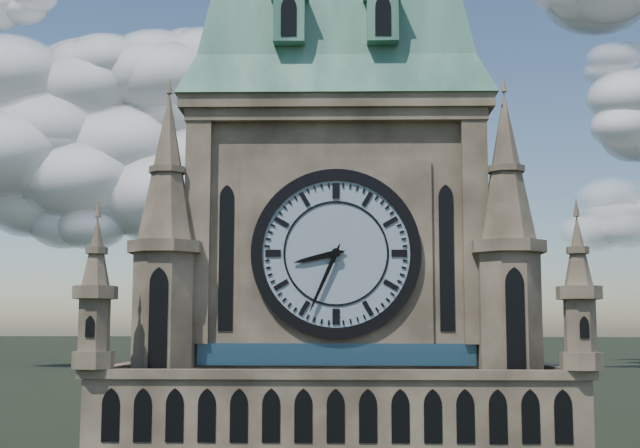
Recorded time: 8:34
